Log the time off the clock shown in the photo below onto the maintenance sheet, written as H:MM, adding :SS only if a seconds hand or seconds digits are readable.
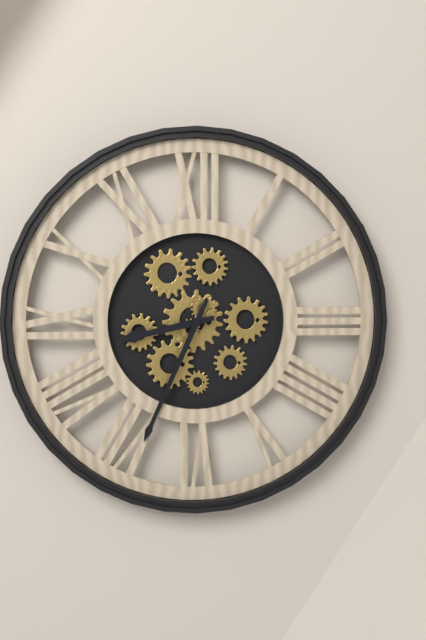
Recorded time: 8:34
